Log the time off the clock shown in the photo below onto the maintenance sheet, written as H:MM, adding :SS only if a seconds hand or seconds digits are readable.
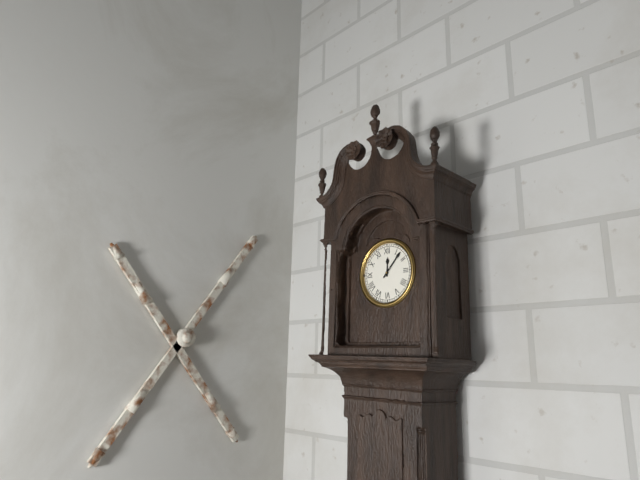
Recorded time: 12:07
